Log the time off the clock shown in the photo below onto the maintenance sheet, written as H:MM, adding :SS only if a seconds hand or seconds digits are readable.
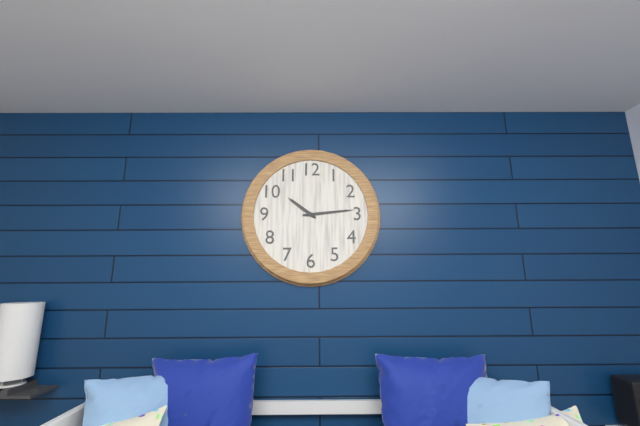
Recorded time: 10:14
